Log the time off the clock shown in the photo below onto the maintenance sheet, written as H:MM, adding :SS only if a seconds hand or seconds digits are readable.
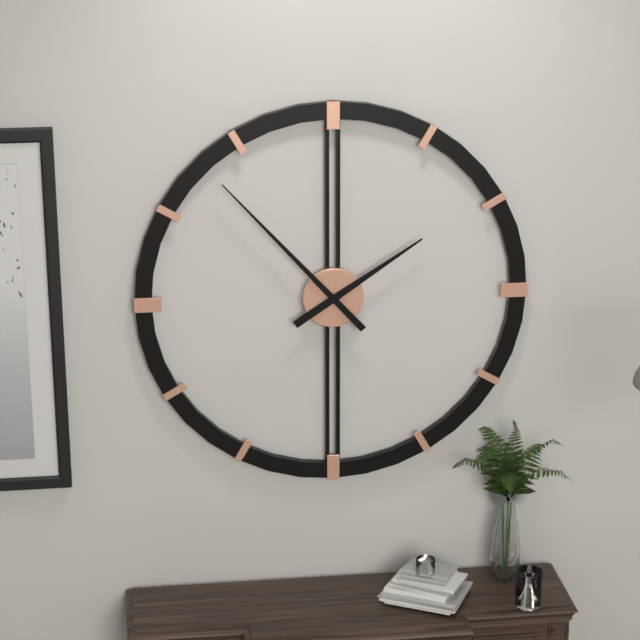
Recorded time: 1:53
